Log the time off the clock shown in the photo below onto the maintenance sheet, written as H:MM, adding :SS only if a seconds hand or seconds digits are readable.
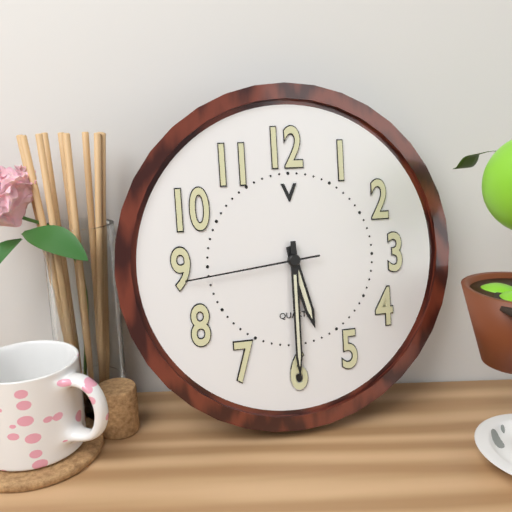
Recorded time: 5:30:44
